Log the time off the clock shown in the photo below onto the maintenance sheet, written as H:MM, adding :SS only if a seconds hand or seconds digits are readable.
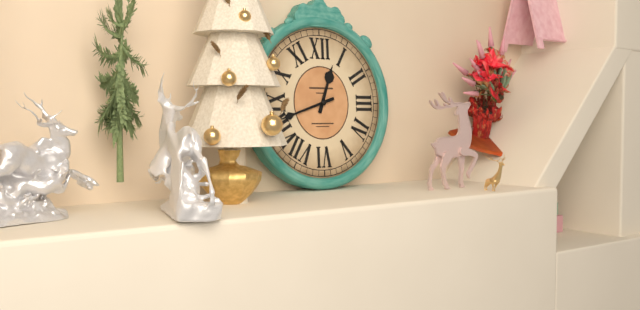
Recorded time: 12:42
